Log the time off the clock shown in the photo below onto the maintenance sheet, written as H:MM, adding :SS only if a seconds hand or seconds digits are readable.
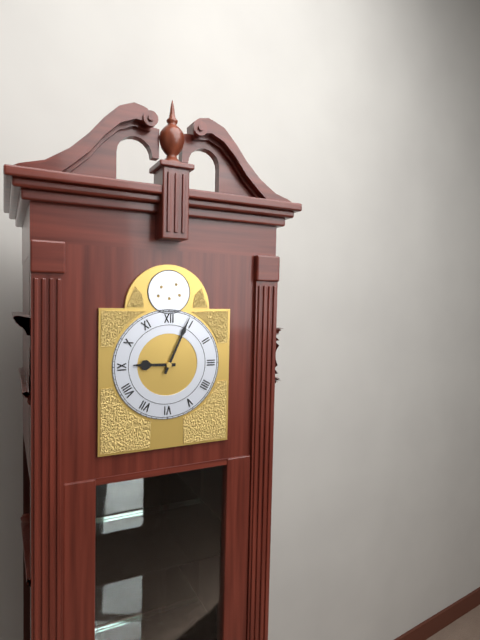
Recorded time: 9:04
